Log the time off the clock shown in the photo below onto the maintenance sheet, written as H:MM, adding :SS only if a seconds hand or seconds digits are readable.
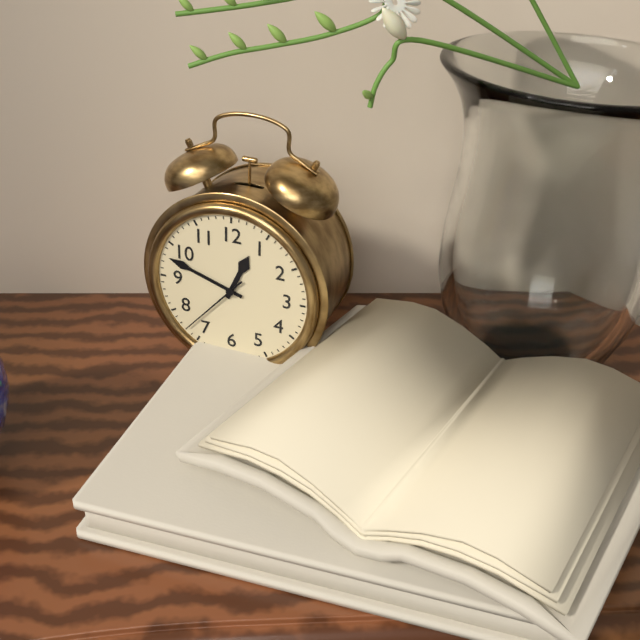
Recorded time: 12:48:37
